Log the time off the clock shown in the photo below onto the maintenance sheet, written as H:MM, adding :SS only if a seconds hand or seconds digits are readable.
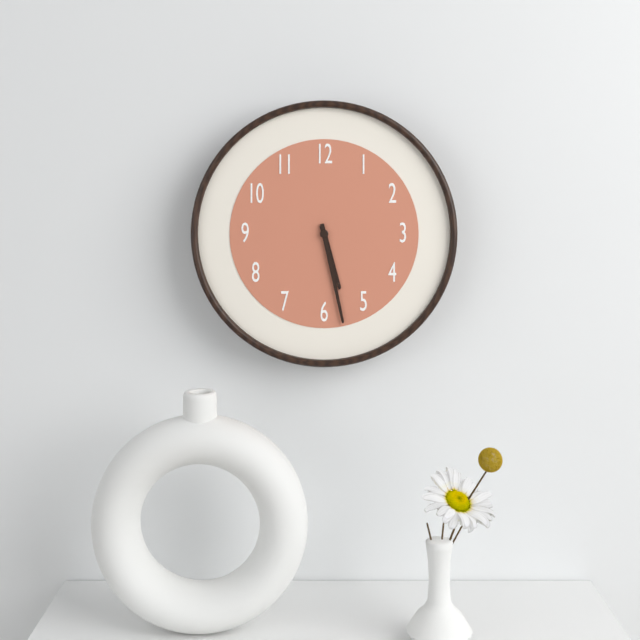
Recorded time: 5:28
